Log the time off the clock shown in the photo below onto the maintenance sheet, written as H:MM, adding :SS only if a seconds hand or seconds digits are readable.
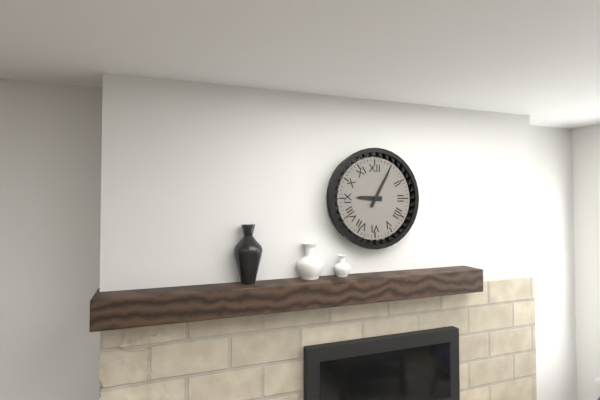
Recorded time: 9:05
